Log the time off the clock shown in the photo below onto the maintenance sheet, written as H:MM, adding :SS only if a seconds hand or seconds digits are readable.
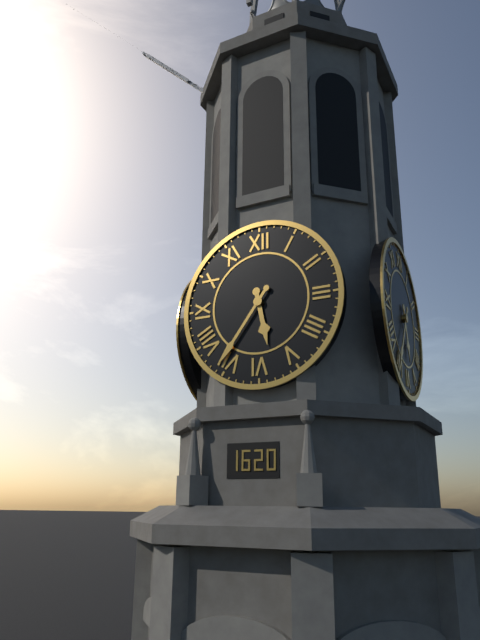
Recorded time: 5:36
